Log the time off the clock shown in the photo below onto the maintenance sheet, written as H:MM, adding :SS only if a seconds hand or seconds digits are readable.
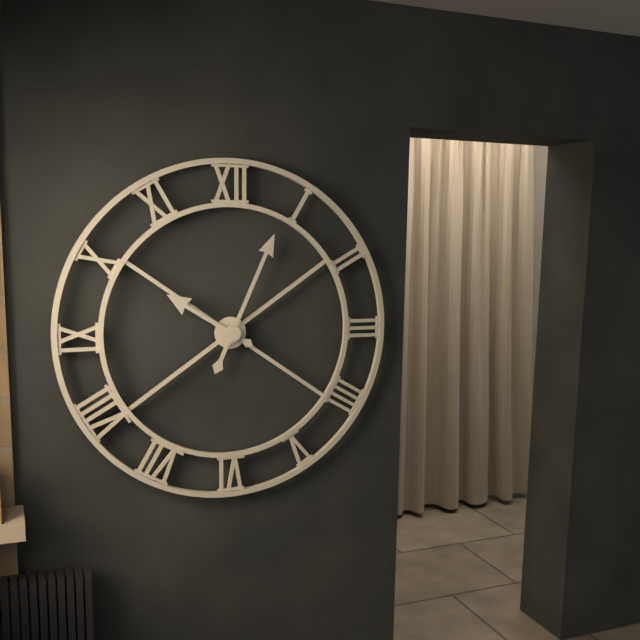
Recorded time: 10:04
